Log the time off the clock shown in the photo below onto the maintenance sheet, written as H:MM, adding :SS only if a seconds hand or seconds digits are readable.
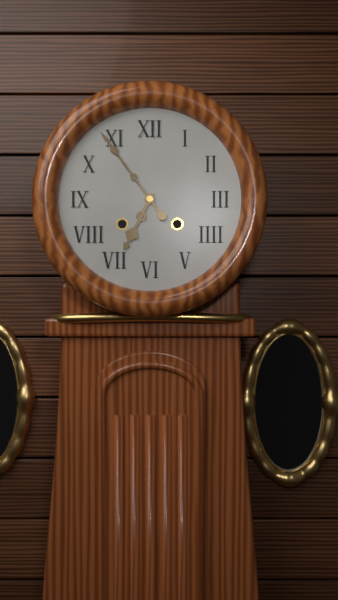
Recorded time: 6:54
